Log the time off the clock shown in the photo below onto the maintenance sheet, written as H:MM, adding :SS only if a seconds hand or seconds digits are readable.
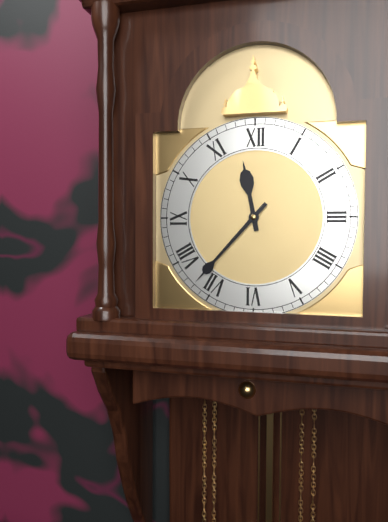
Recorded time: 11:37
